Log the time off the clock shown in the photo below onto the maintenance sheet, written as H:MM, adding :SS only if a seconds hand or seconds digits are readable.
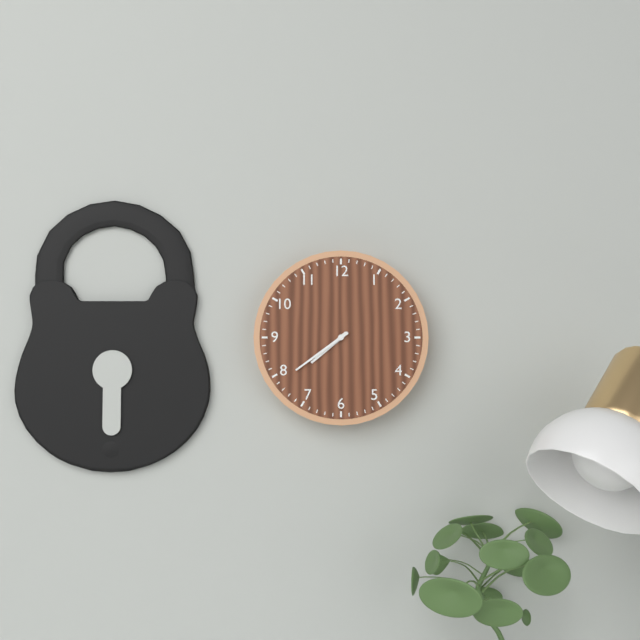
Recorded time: 7:39
